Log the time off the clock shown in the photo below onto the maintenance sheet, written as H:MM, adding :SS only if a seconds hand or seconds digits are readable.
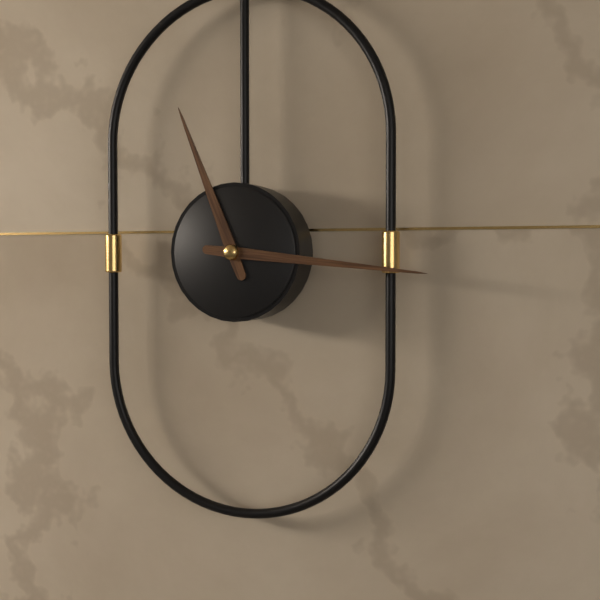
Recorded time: 11:16
